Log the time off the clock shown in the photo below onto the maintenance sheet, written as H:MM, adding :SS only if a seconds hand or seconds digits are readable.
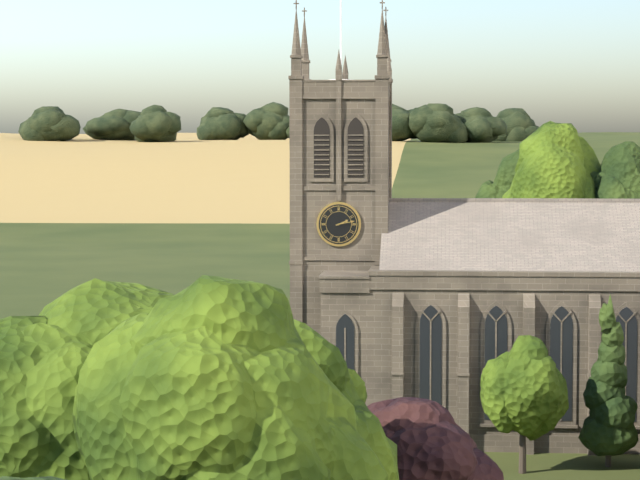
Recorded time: 2:13
